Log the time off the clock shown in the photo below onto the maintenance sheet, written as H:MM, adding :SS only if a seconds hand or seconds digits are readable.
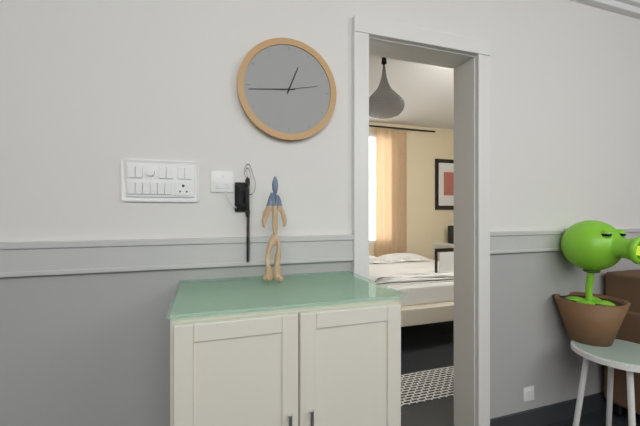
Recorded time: 12:44
